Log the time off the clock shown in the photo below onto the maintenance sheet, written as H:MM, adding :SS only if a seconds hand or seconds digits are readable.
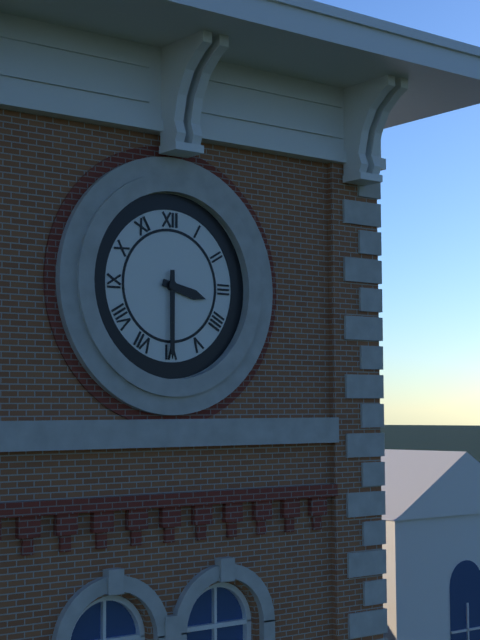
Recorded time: 3:30
